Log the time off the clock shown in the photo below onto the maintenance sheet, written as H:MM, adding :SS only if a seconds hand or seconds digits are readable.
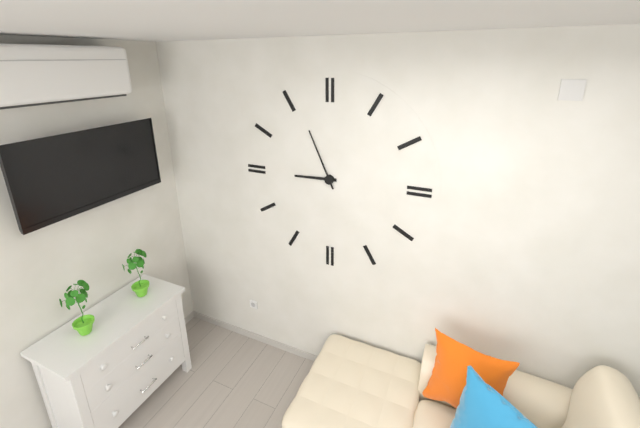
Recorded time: 8:56
